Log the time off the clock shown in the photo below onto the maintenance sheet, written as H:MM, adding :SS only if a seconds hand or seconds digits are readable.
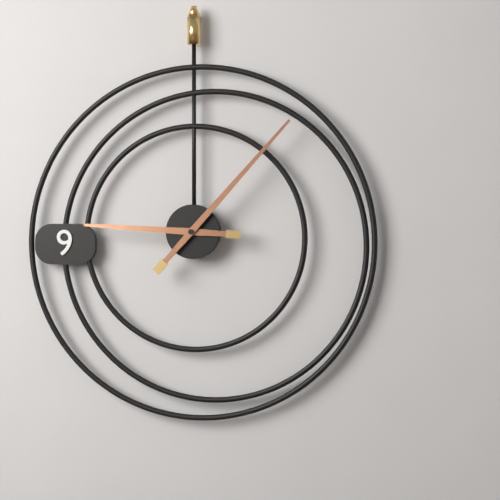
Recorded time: 9:07
